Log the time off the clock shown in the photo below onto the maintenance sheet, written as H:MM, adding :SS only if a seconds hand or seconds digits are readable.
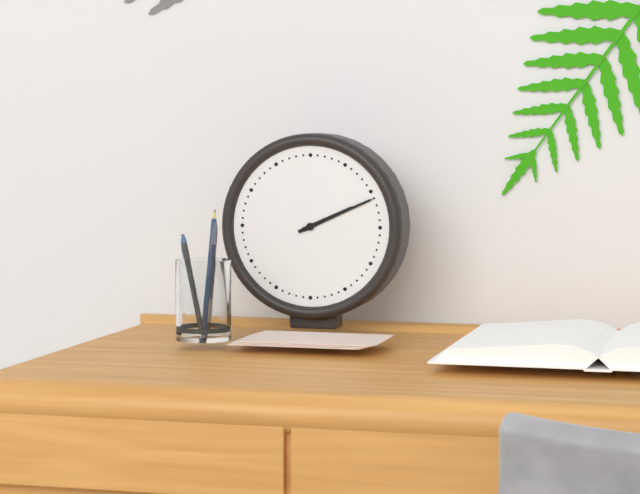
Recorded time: 2:11
